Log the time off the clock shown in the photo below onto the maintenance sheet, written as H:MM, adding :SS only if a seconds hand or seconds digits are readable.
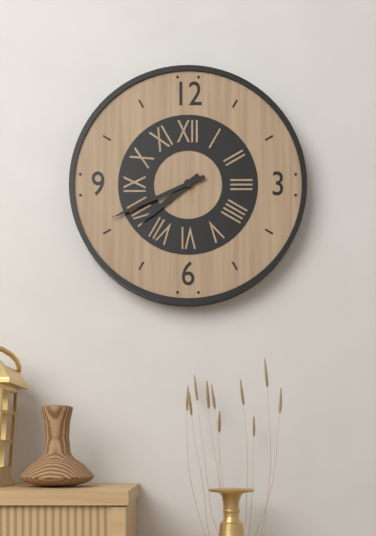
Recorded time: 7:41
